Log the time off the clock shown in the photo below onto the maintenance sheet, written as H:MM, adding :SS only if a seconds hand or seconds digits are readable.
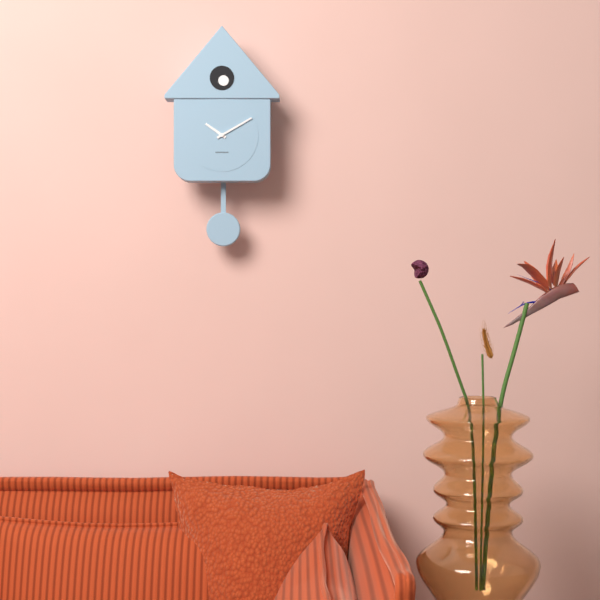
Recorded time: 10:10
